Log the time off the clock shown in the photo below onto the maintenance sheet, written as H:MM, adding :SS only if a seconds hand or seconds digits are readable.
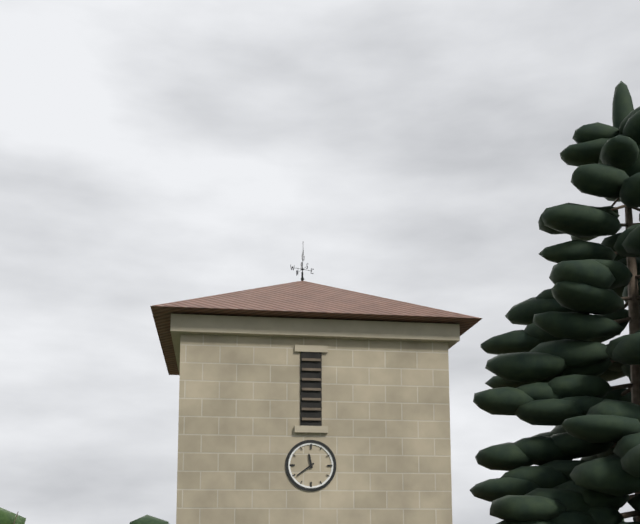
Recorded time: 11:39
